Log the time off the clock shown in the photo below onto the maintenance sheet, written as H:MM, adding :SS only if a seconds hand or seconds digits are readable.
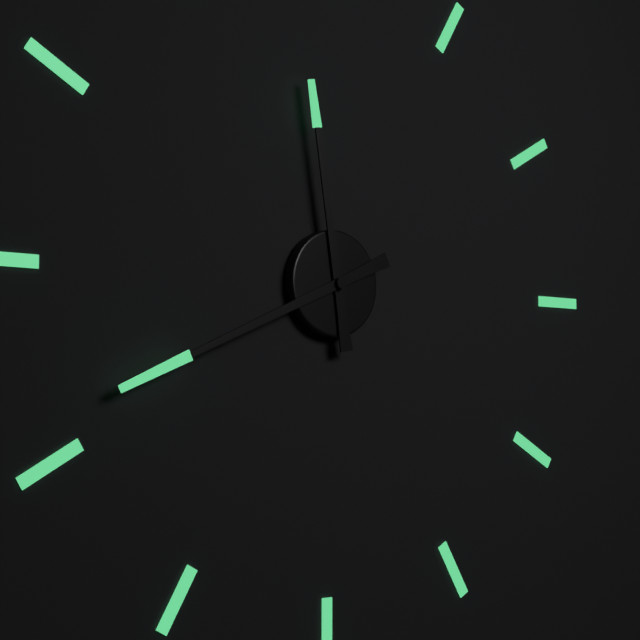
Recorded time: 11:41
